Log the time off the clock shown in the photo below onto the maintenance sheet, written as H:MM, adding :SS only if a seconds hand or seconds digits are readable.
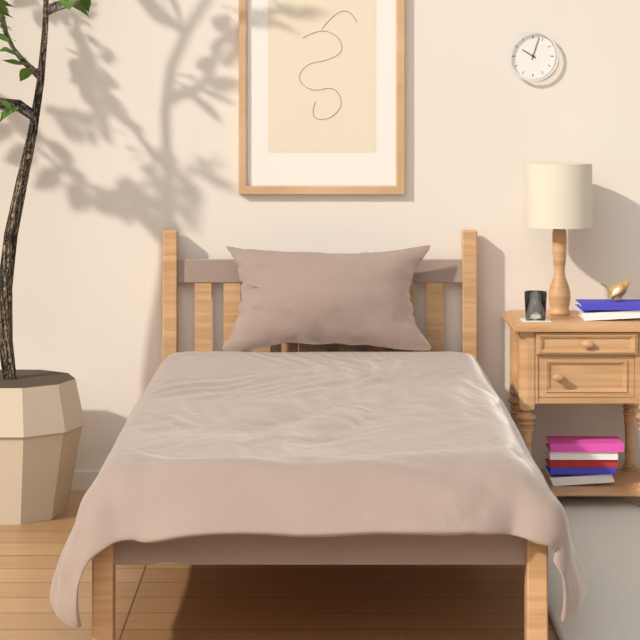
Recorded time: 10:03
